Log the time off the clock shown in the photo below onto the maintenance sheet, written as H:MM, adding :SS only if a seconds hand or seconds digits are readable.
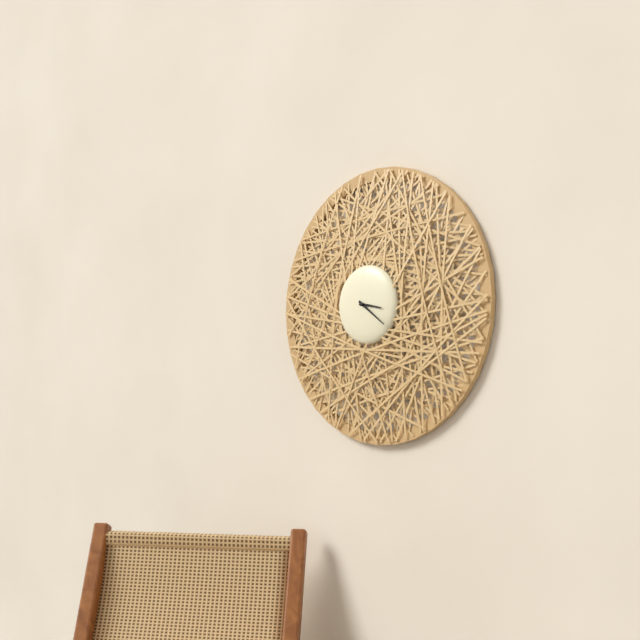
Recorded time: 3:21
